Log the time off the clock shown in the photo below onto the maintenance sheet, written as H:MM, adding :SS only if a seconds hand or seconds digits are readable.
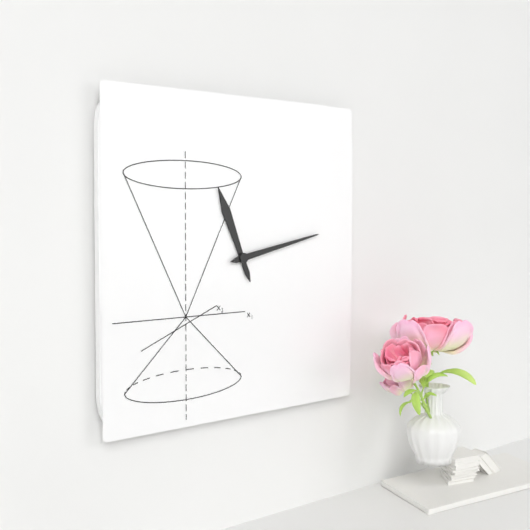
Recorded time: 11:13
